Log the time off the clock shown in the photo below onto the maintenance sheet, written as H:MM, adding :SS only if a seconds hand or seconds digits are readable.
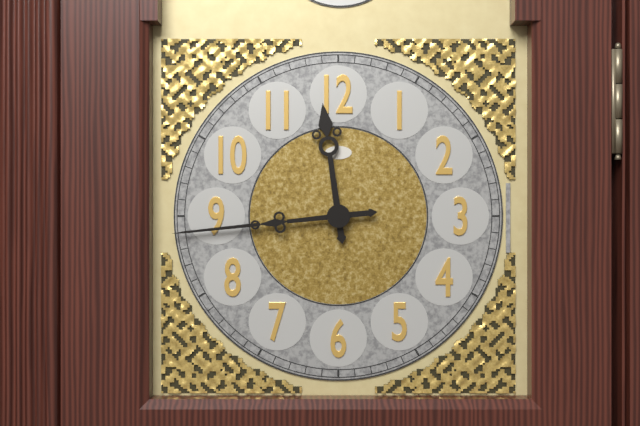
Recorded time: 11:44
